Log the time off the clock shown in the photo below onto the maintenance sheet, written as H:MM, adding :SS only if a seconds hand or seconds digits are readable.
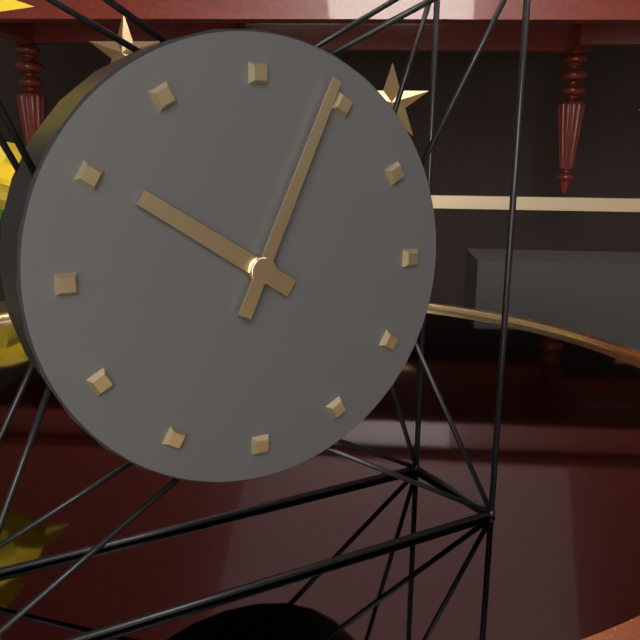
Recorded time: 10:04
